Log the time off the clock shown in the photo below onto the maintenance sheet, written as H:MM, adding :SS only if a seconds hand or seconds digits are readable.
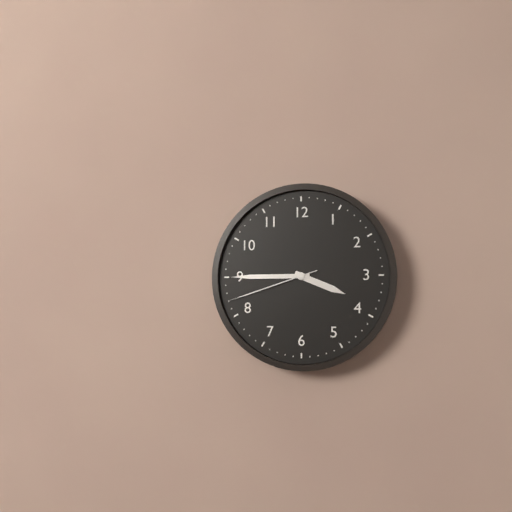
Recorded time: 3:45:42
